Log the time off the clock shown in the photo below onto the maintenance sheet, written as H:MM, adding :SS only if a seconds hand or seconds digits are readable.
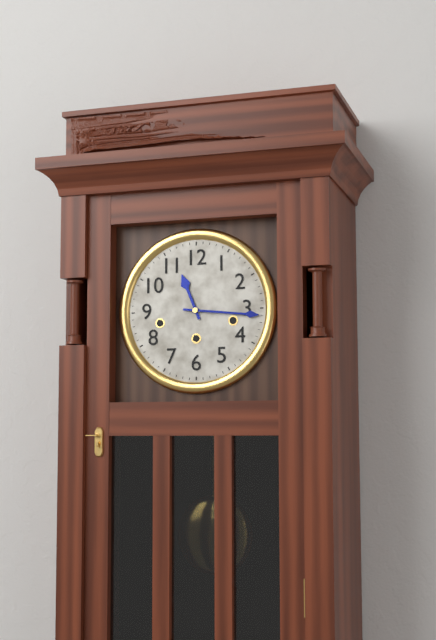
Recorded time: 11:16
